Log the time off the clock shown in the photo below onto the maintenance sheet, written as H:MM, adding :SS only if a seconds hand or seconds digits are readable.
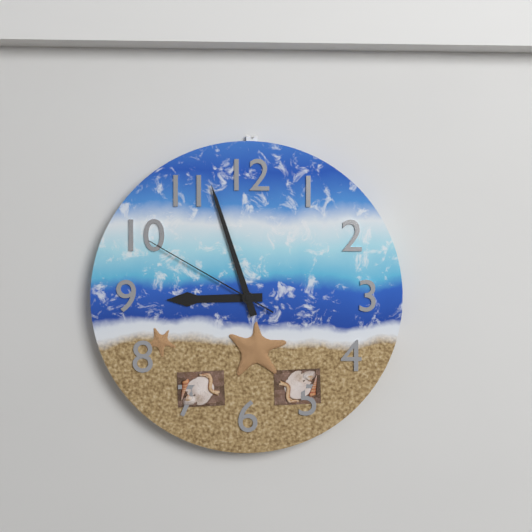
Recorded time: 8:57:50
